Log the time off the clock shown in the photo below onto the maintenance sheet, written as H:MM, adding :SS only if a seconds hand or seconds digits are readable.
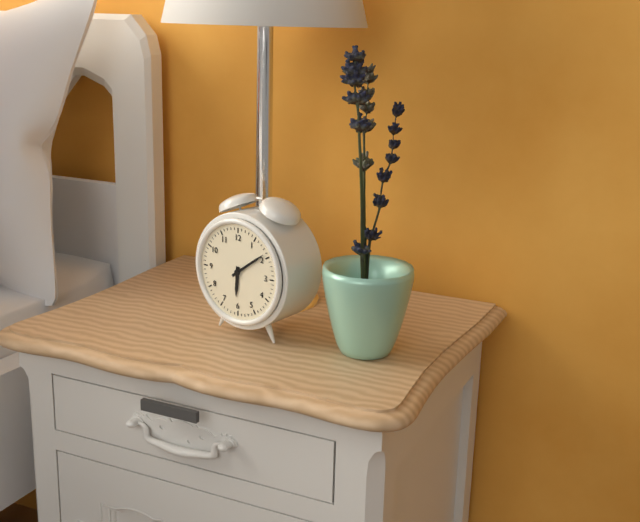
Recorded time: 6:09
